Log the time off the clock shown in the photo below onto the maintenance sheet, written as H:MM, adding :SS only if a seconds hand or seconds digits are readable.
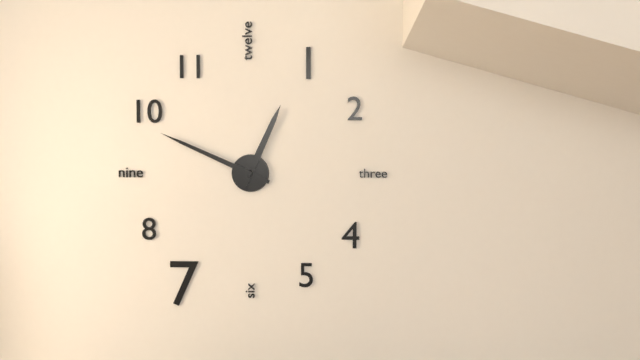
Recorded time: 12:49
